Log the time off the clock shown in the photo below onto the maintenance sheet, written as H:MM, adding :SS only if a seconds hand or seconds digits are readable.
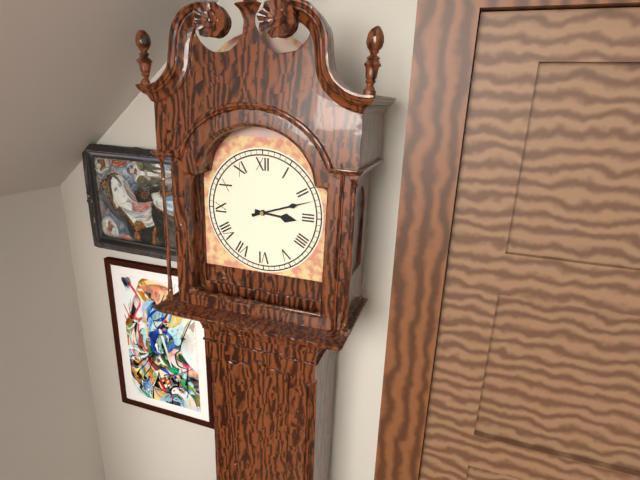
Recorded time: 3:12
